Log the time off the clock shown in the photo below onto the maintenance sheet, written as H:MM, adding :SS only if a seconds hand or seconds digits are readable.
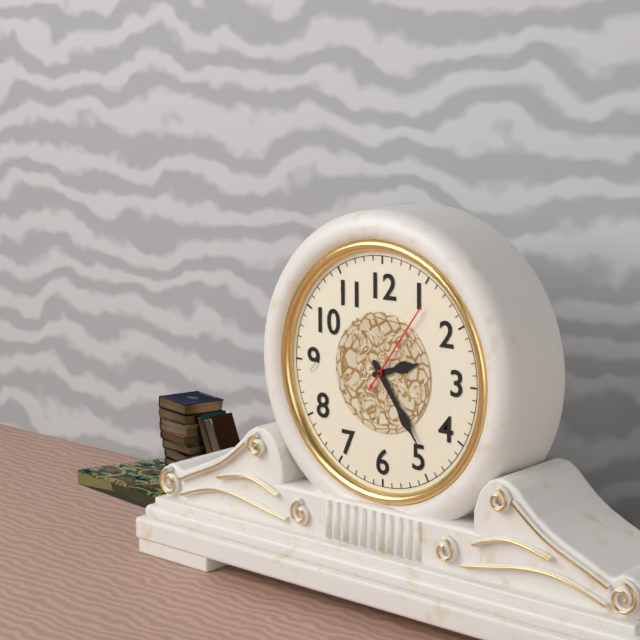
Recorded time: 2:24:06
